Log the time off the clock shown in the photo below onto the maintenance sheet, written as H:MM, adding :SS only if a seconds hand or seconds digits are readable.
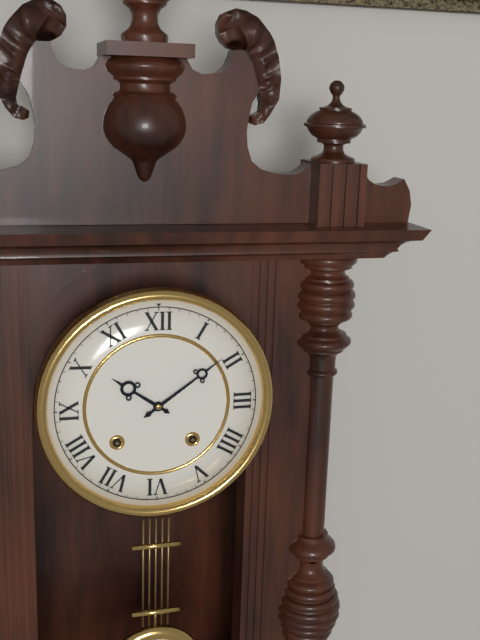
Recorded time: 10:09
